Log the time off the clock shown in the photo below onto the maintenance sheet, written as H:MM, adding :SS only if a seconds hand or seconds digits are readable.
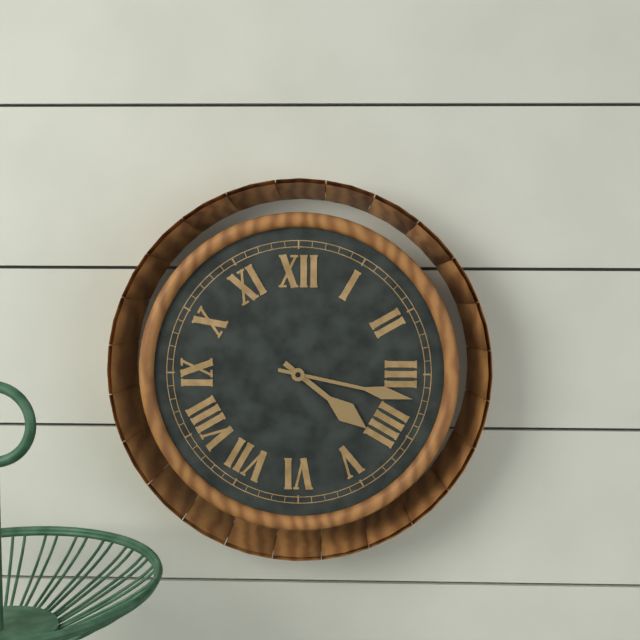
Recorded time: 4:17
